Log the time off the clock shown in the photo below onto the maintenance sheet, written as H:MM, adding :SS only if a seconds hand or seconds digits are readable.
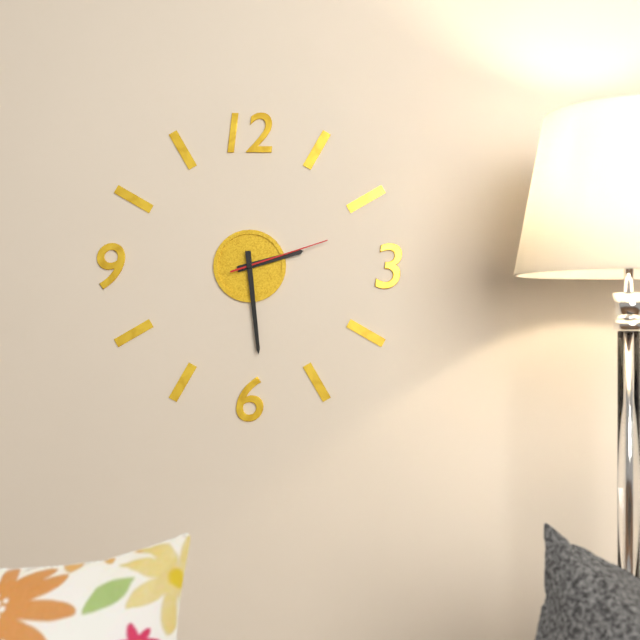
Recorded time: 2:29:12
